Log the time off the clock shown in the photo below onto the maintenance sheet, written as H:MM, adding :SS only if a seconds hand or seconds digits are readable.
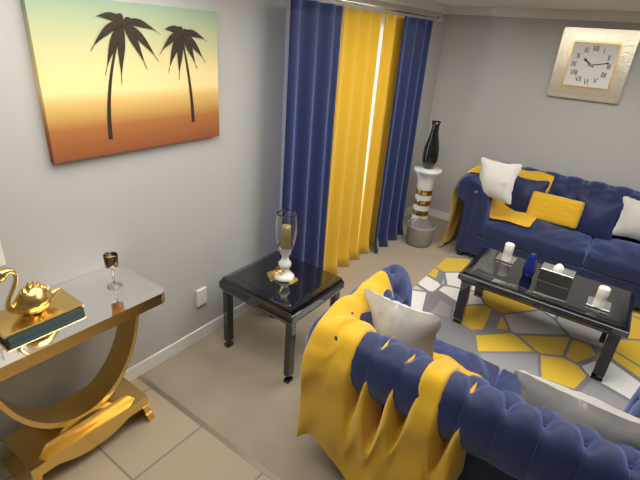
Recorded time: 10:13
